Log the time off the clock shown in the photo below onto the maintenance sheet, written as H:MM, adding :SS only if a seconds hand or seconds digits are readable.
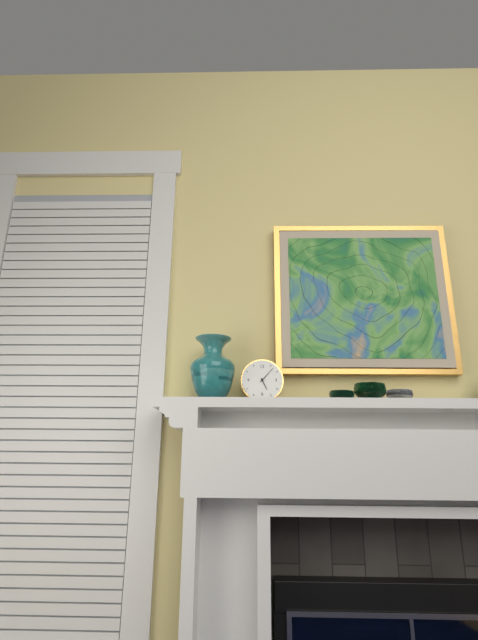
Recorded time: 5:07
